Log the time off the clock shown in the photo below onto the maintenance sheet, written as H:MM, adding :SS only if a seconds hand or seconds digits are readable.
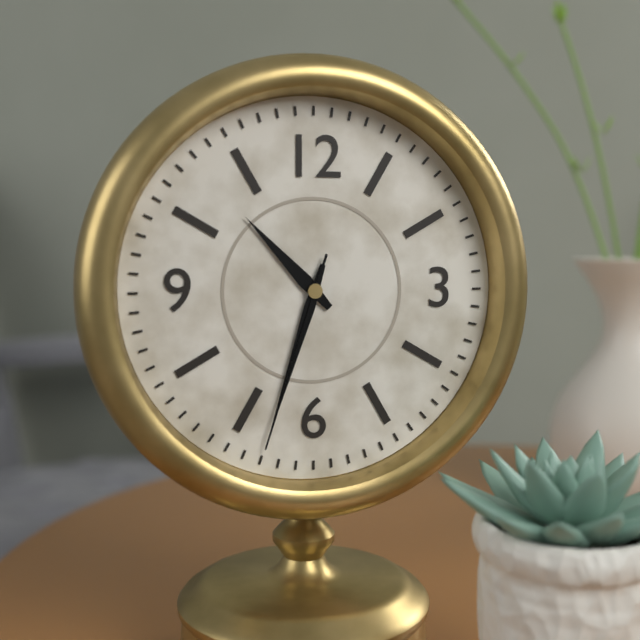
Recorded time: 10:33:33
